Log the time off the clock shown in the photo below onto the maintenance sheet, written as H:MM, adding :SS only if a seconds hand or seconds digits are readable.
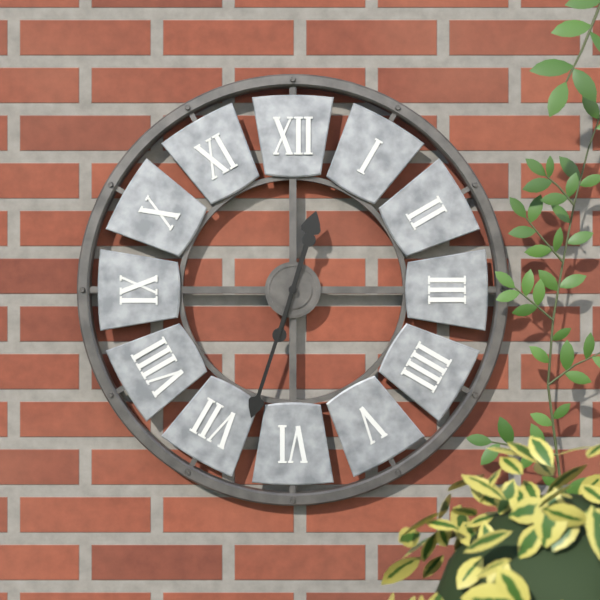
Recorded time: 12:33
